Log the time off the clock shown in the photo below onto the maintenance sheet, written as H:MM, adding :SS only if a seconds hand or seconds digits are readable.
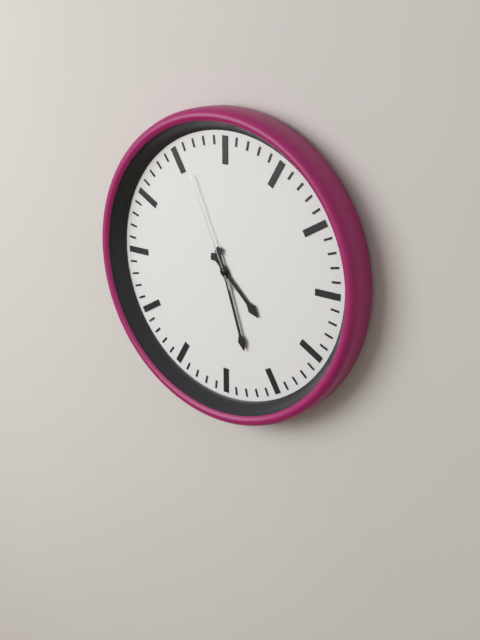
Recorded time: 4:27:56
